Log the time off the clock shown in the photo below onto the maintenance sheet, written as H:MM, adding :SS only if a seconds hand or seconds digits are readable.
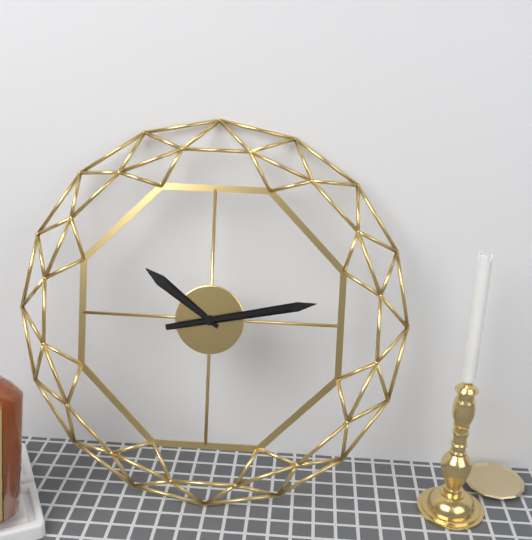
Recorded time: 10:13
